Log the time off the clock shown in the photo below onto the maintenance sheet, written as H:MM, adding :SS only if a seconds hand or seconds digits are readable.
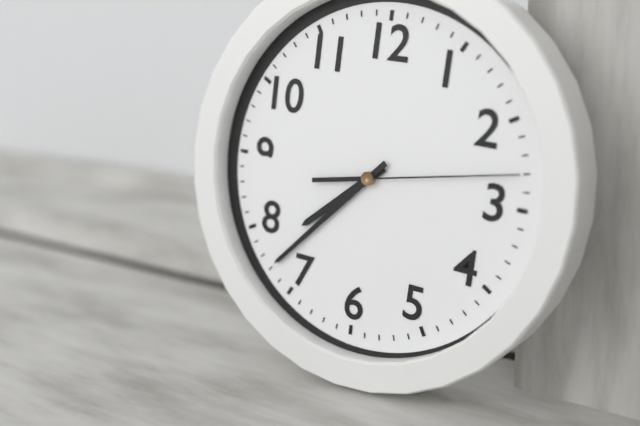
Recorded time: 7:37:13
